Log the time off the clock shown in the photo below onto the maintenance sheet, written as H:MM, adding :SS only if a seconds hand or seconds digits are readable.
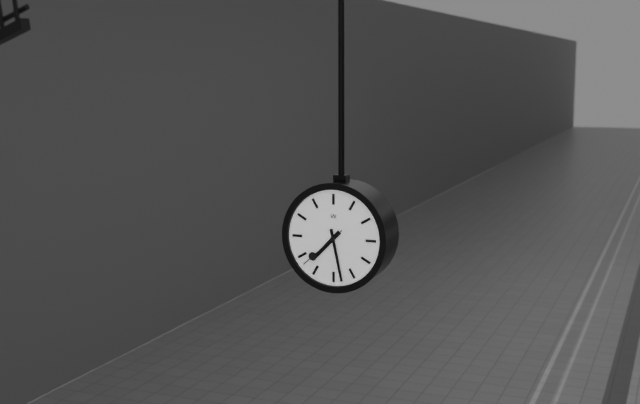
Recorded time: 7:28:38
